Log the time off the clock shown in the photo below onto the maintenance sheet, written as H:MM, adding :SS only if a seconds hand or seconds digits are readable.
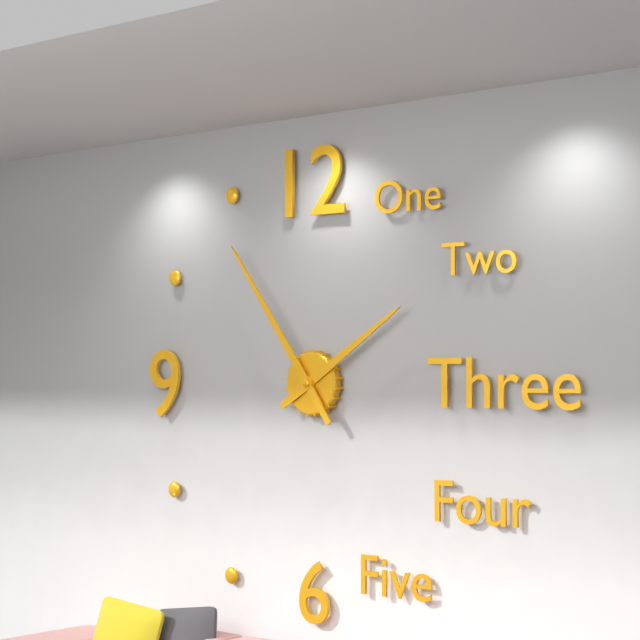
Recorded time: 1:54
